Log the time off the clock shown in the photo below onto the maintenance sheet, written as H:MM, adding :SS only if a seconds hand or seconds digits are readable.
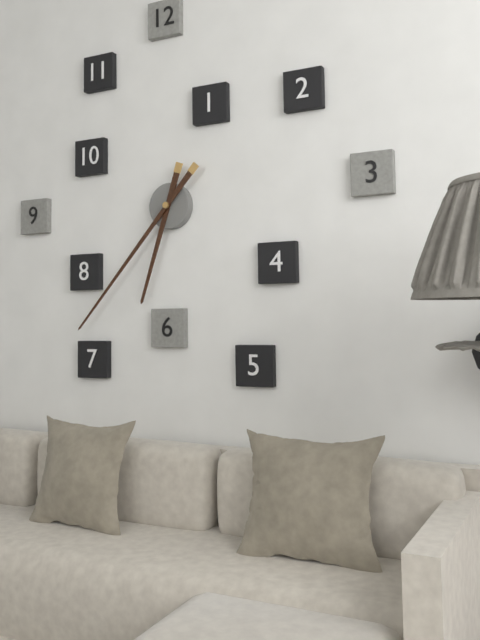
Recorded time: 6:37
